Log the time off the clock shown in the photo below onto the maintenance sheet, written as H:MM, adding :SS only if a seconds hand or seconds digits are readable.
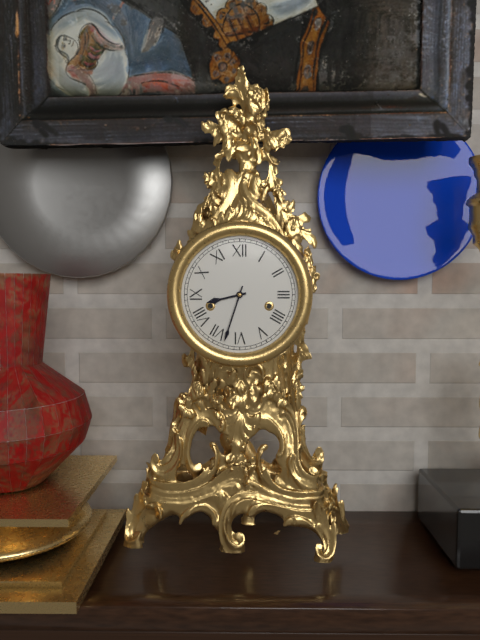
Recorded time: 8:33
